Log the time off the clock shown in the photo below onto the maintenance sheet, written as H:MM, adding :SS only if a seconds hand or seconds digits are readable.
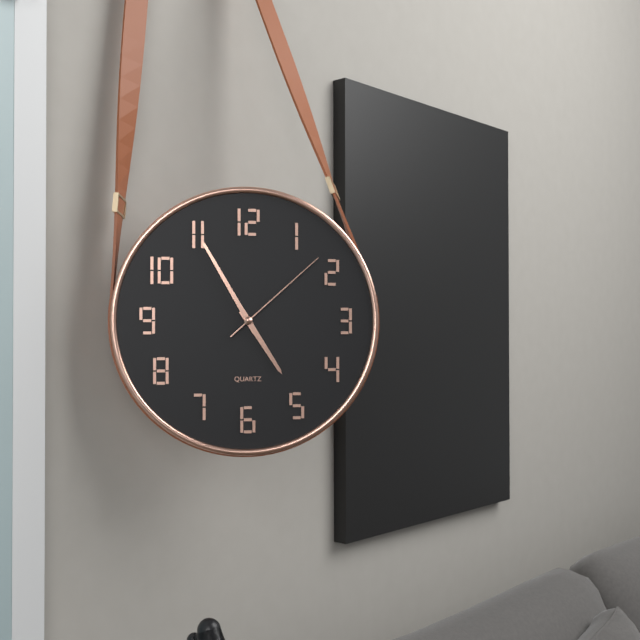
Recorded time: 4:55:08
